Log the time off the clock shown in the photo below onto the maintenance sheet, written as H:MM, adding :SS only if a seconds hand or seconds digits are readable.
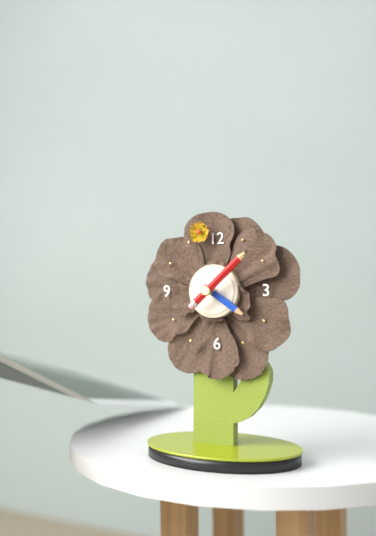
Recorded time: 4:08
